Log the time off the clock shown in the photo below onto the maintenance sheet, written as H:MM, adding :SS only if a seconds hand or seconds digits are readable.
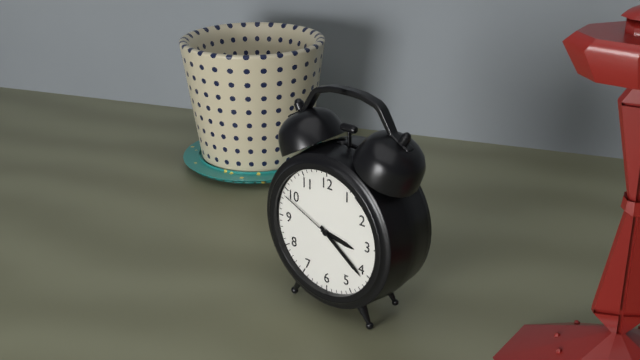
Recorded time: 3:21:49
